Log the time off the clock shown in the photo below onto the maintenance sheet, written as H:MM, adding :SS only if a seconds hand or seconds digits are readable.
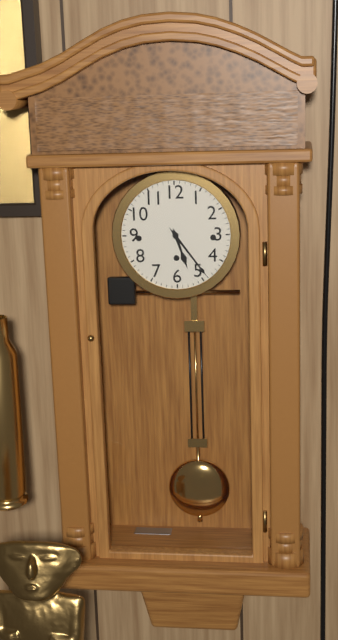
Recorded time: 5:24
